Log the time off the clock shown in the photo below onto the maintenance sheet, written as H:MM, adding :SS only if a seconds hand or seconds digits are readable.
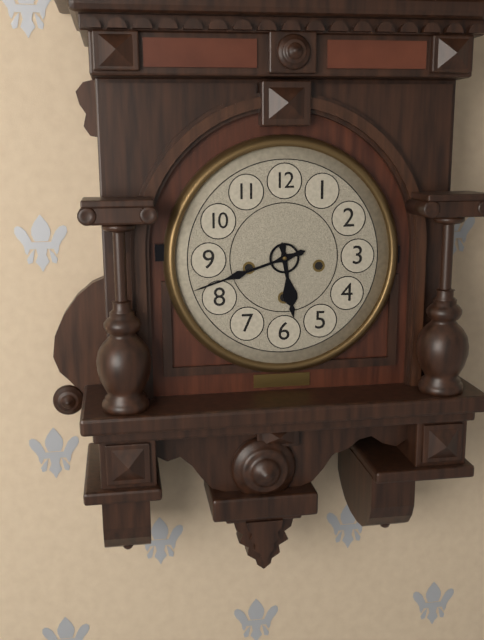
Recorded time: 5:42
